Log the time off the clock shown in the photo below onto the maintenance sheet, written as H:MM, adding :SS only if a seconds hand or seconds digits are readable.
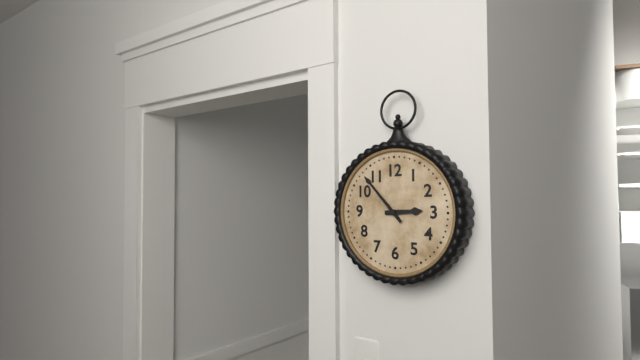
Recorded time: 2:53
